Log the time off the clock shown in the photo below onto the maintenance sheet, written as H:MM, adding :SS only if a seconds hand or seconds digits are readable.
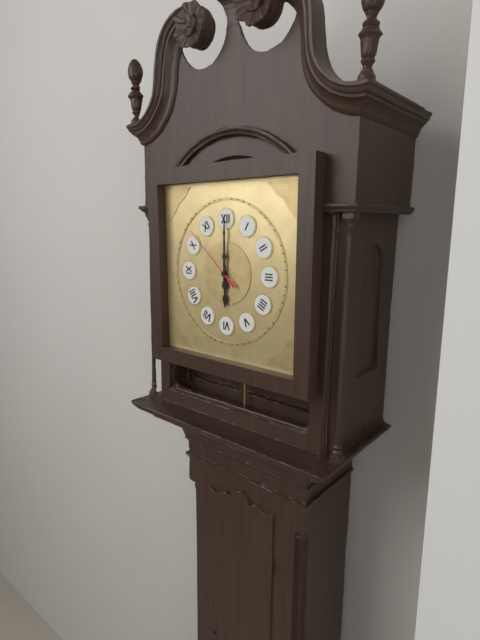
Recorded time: 6:00:52
